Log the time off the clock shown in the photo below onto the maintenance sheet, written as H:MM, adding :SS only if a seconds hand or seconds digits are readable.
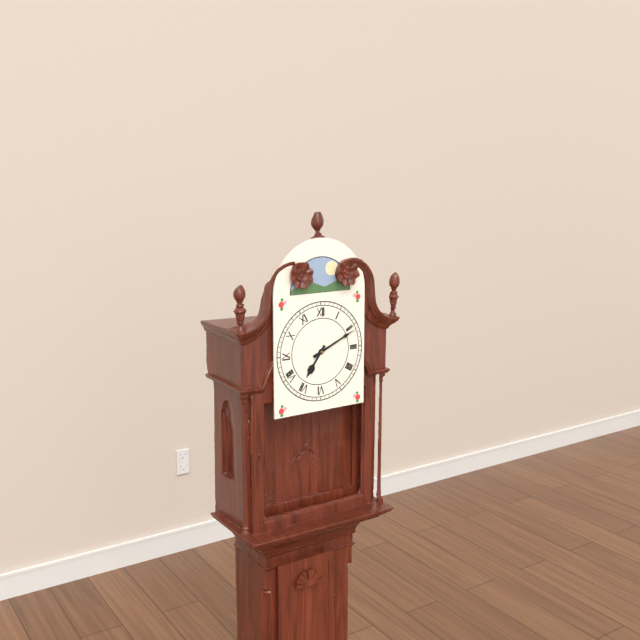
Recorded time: 7:11
